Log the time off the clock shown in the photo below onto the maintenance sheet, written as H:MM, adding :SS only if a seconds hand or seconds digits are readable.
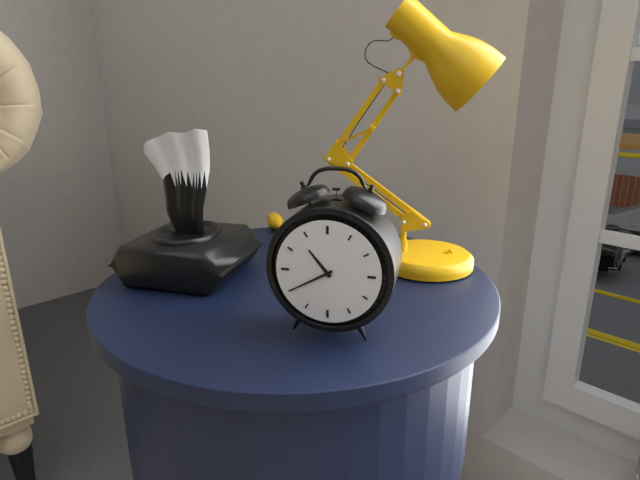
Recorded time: 10:40
